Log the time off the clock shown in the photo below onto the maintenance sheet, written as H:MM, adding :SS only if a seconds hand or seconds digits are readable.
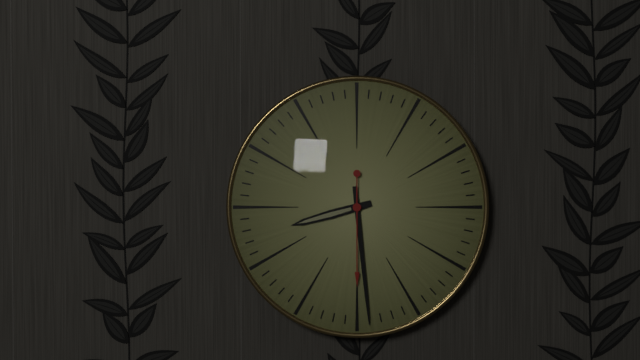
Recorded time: 8:29:30
